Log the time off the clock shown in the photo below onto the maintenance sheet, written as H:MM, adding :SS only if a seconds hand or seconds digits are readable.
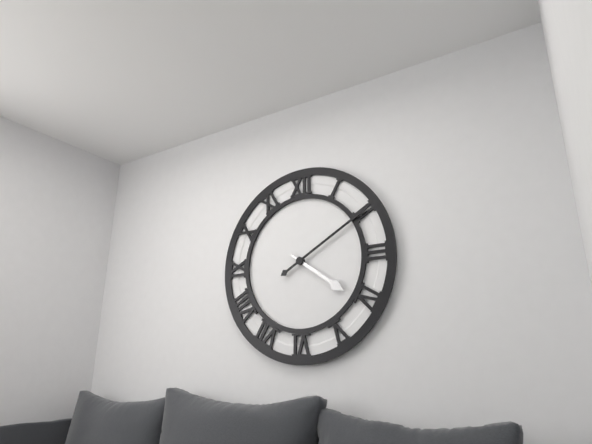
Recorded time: 4:10
